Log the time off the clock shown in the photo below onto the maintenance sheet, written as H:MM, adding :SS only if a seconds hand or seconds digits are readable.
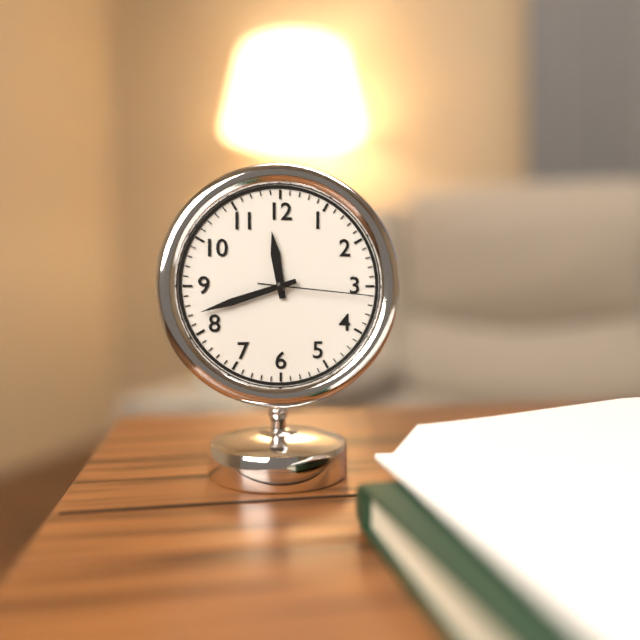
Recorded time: 11:42:16
